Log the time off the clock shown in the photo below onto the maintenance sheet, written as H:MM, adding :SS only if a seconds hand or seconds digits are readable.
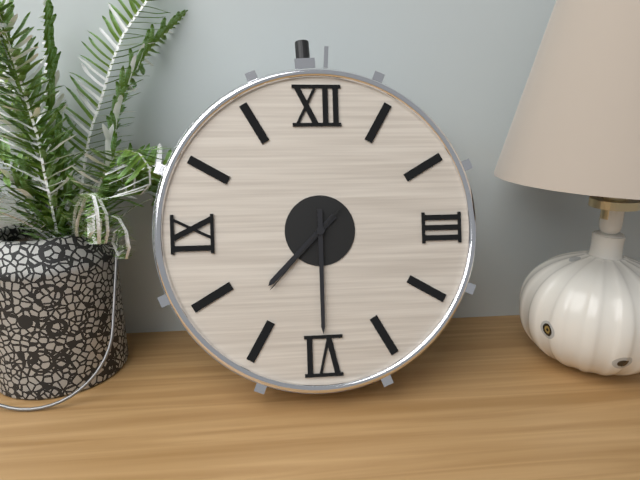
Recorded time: 7:30:37
